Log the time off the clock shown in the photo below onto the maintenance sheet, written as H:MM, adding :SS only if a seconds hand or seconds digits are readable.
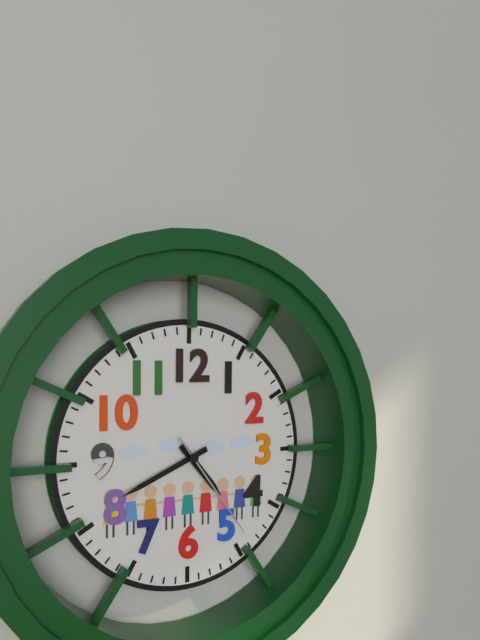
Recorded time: 4:41:24
